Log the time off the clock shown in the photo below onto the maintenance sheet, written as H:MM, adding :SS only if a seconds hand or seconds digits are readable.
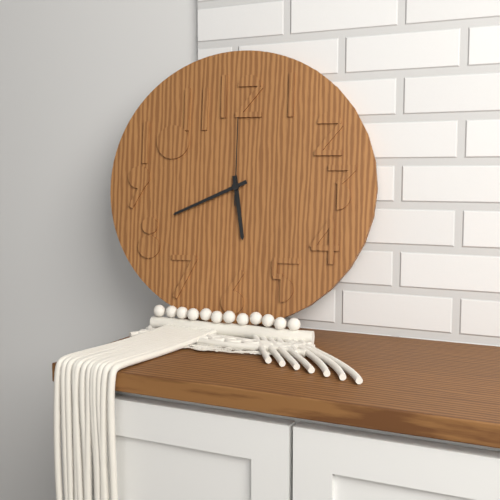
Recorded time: 5:41:00
